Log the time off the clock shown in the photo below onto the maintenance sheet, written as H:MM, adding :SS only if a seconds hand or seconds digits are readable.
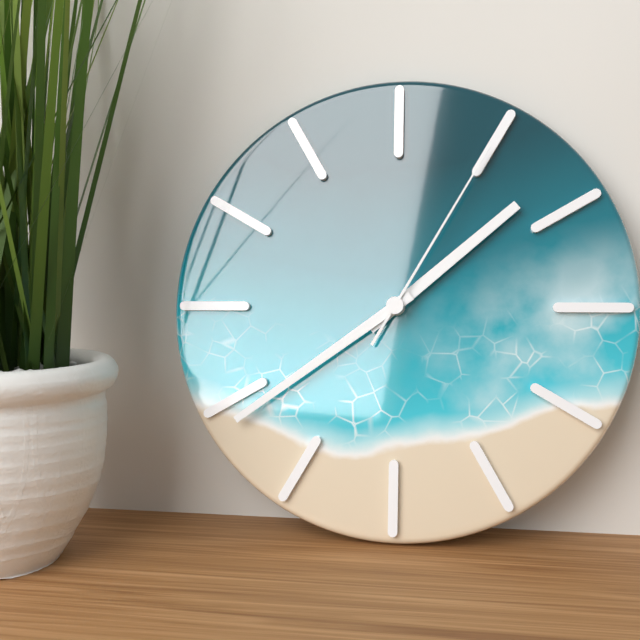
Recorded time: 1:39:05
